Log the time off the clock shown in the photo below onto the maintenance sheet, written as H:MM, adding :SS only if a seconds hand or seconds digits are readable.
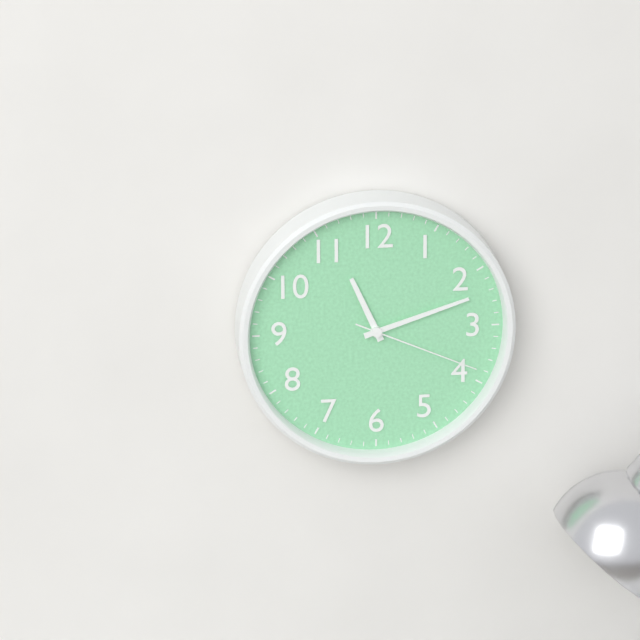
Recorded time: 11:12:19
